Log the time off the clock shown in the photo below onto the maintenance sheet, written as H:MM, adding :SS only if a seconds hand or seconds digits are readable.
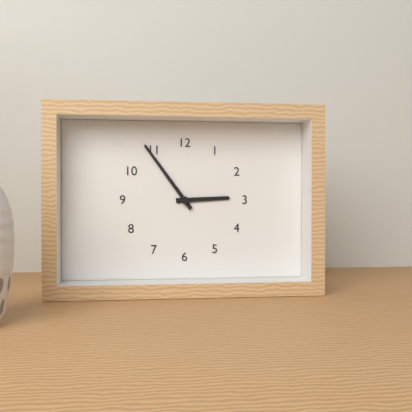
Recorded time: 2:54
